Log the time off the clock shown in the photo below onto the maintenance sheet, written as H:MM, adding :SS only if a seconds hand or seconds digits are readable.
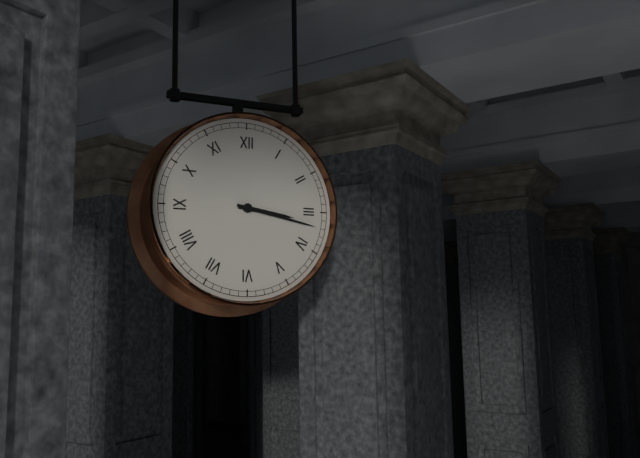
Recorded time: 3:17
